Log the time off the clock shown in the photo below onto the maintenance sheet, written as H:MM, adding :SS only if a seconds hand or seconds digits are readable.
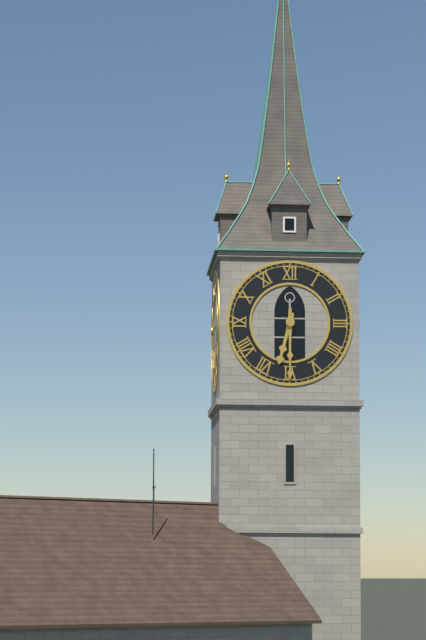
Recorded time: 6:30
